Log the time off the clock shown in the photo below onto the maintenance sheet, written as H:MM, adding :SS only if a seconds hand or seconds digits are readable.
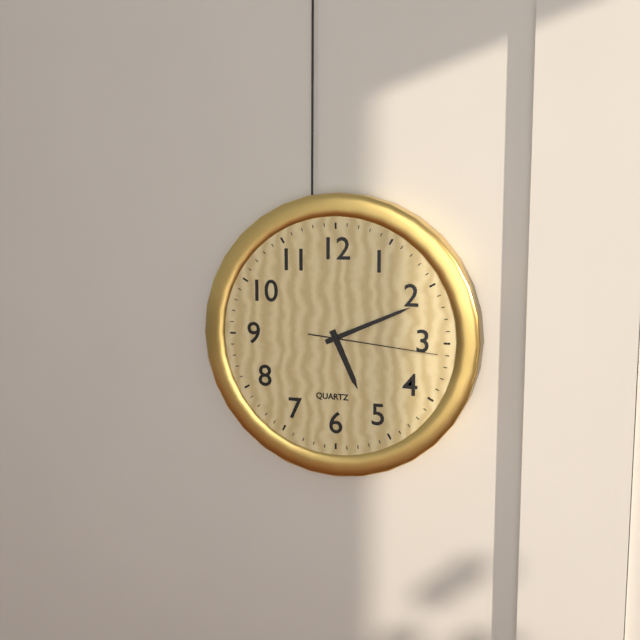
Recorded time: 5:11:16
